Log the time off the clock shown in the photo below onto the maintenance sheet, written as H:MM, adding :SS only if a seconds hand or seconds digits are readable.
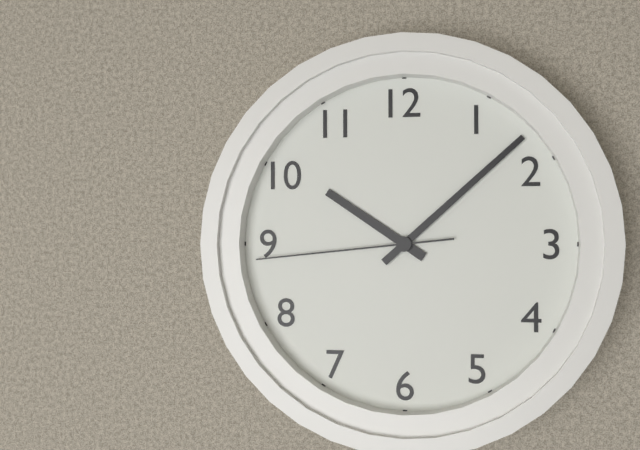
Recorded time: 10:08:44
